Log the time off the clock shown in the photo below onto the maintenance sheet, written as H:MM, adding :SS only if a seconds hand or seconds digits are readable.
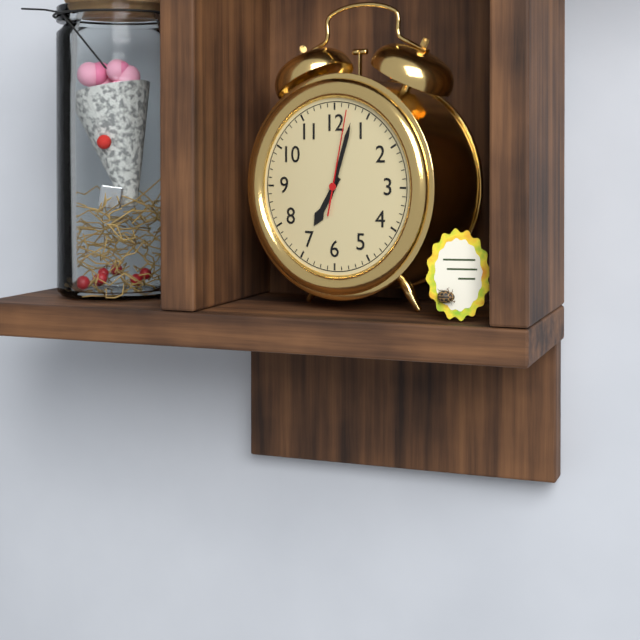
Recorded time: 7:03:02
